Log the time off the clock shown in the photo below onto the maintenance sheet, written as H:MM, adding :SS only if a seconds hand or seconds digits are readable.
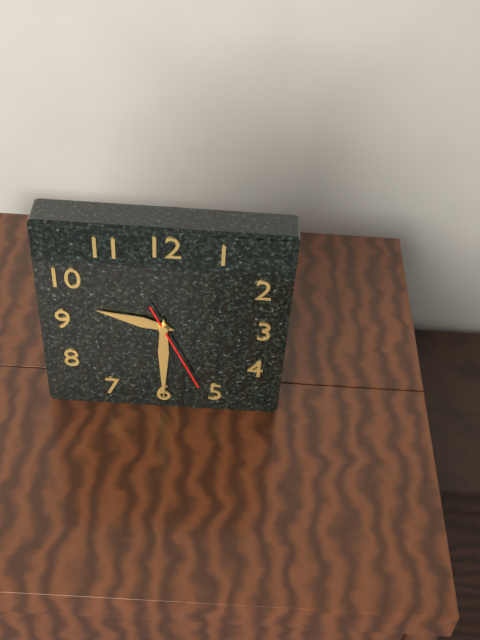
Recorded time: 9:30:26
